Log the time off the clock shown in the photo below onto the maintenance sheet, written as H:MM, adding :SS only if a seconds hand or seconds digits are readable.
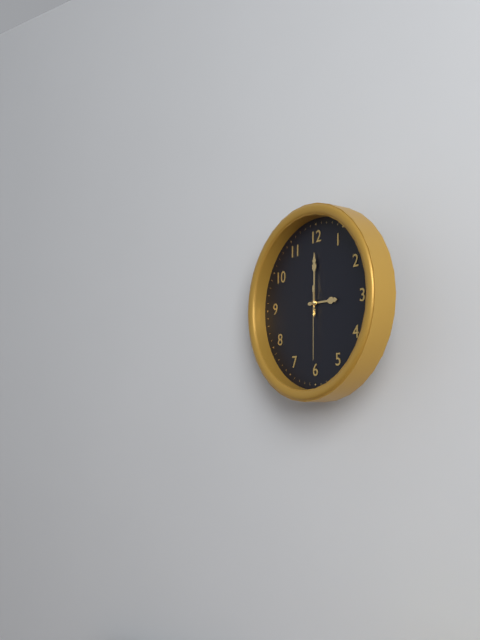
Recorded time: 3:00:30
